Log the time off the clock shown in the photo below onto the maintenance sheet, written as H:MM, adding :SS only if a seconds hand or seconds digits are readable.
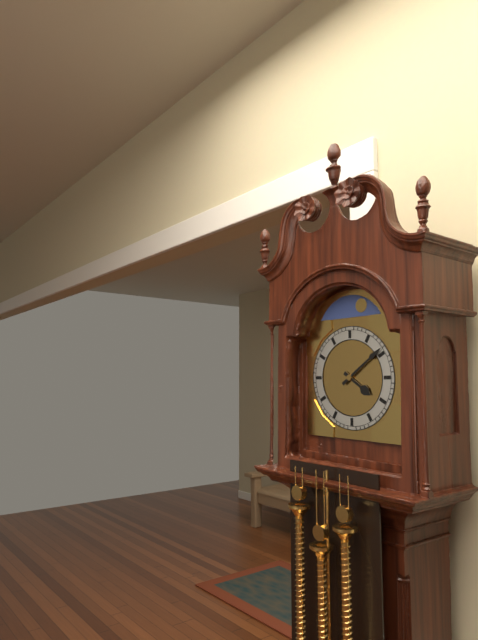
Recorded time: 4:09
